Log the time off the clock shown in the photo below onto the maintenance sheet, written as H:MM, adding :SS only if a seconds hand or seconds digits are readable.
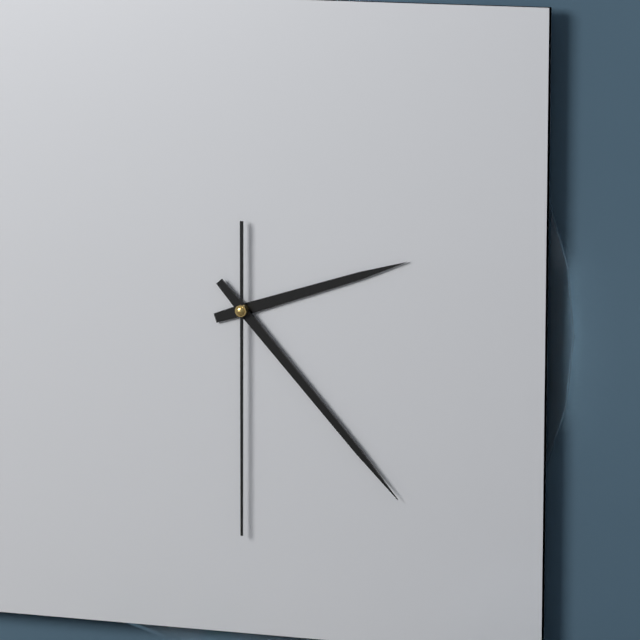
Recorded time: 2:23:30
